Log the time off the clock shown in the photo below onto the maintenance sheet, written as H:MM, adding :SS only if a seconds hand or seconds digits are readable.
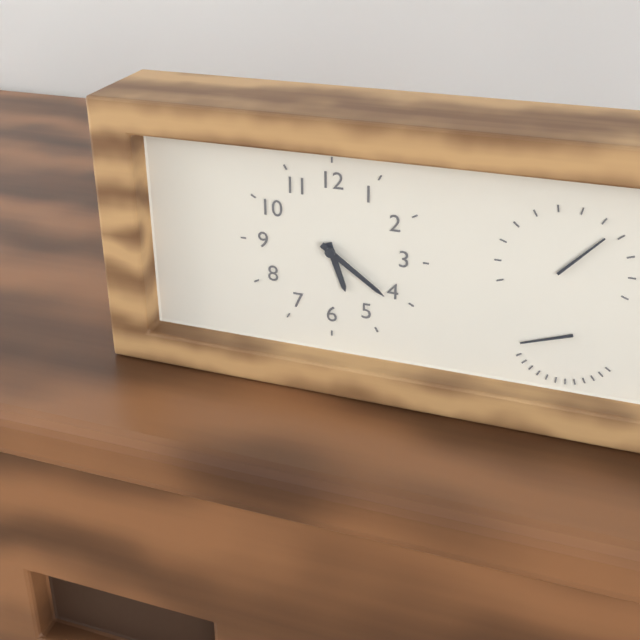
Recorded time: 5:21
